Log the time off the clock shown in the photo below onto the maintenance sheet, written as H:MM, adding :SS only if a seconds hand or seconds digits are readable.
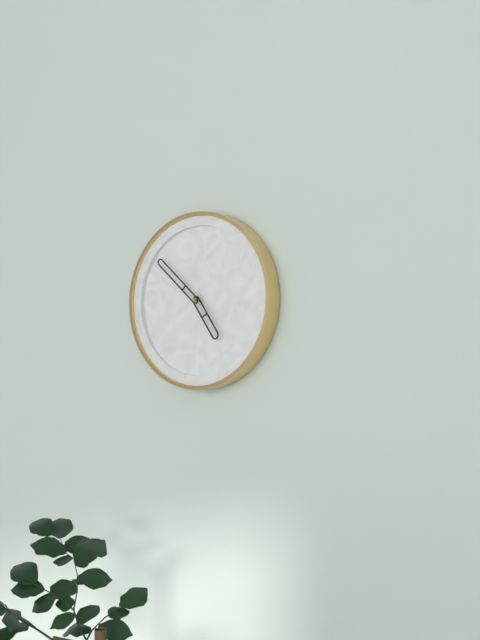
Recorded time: 4:52
